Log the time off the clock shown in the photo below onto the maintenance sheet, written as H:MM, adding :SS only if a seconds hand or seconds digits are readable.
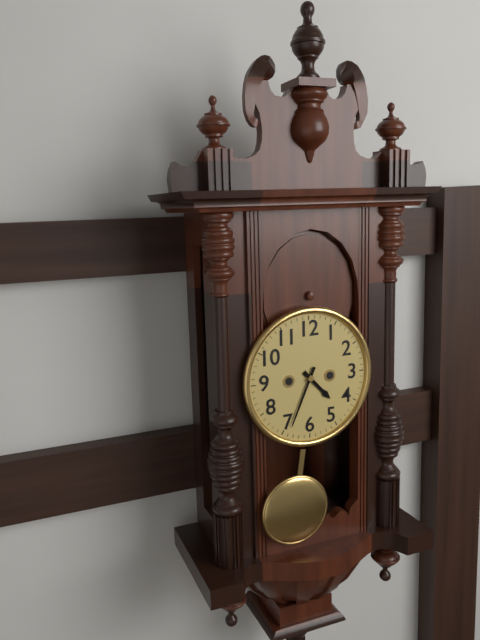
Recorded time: 4:34
